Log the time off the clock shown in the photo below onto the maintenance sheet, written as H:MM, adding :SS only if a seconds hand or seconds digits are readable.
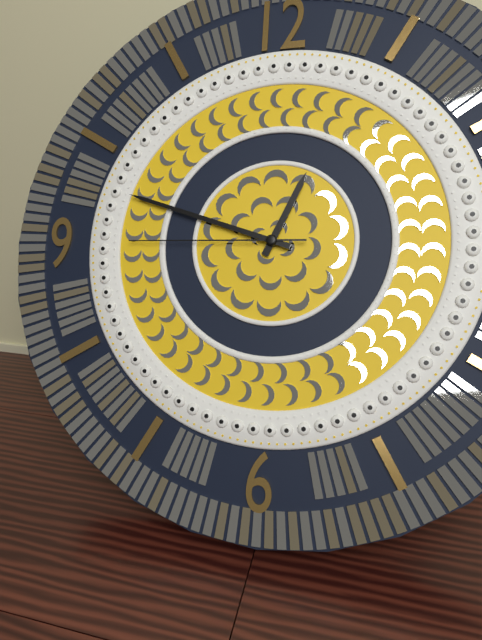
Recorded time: 12:48:45
